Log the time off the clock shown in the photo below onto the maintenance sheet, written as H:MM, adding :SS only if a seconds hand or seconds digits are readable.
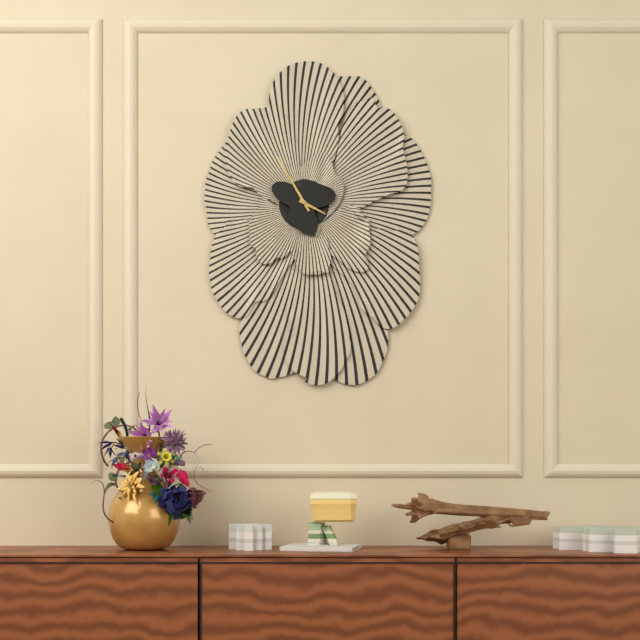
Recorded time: 3:55
